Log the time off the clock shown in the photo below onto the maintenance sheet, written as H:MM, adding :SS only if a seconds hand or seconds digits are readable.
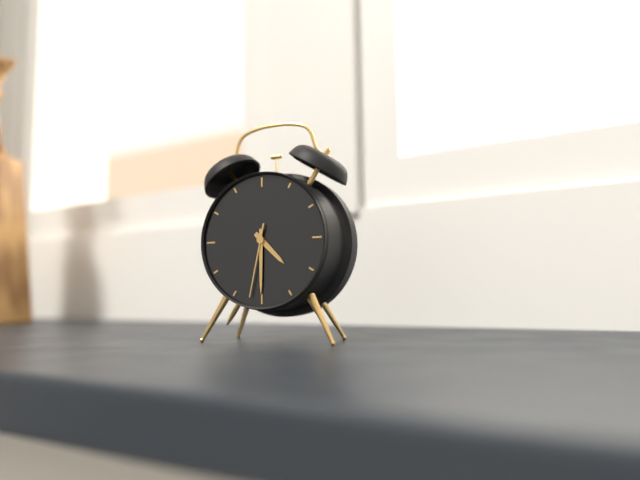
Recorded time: 4:30:32
